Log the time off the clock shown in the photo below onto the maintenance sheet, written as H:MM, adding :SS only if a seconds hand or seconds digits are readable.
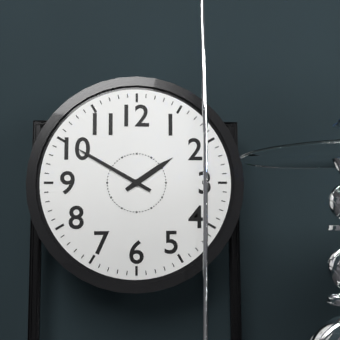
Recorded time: 1:50
